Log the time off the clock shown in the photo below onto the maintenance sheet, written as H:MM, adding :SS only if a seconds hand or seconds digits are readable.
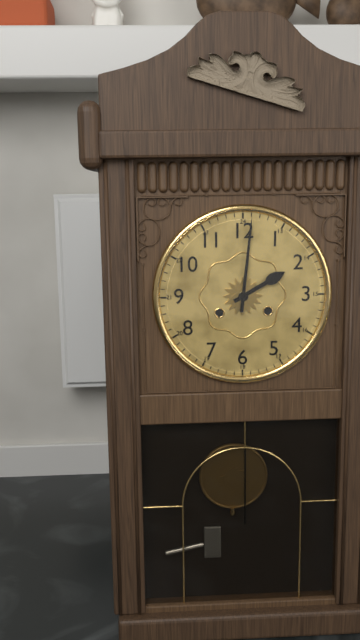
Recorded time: 2:01
